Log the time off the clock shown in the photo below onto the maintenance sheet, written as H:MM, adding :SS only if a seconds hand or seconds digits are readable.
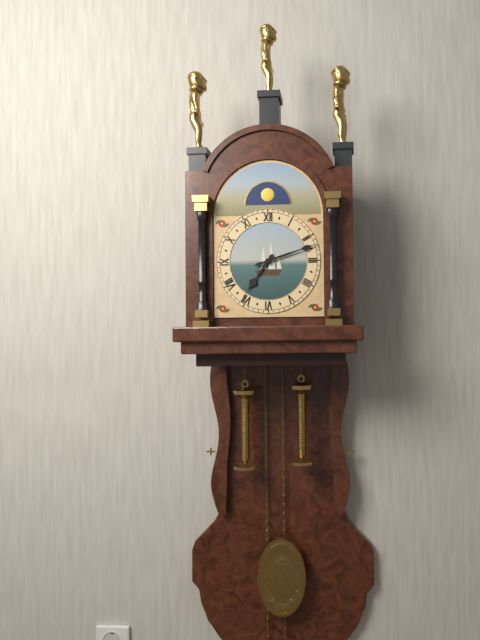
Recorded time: 7:12
